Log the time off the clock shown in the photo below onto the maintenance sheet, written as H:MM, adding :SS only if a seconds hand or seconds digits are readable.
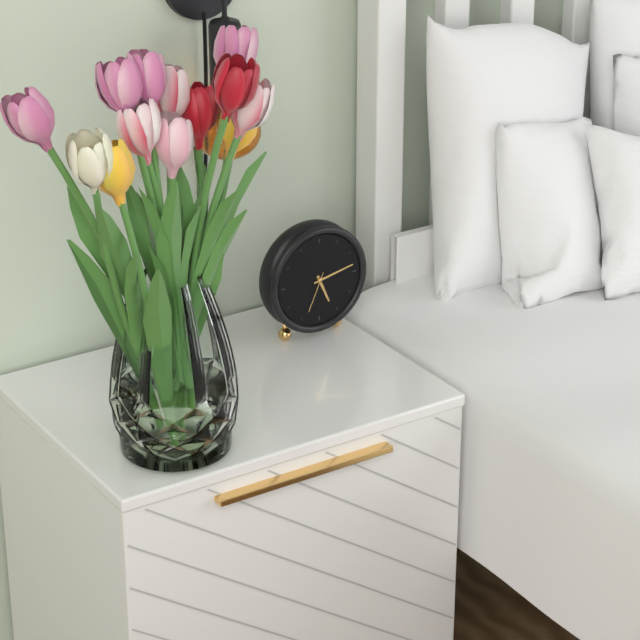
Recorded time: 5:13
